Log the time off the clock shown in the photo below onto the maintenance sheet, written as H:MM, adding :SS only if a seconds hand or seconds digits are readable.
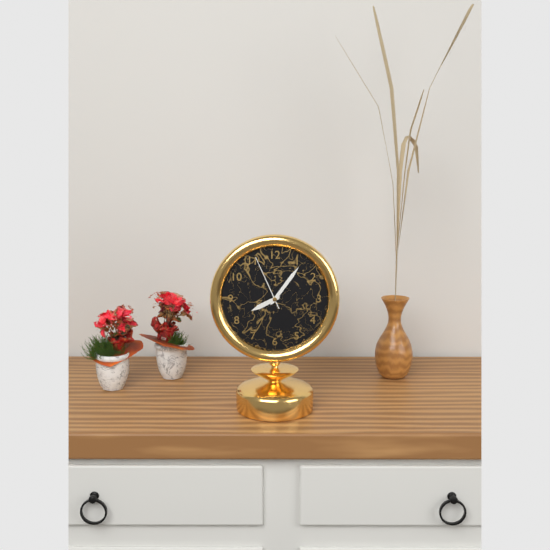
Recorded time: 8:06:56
